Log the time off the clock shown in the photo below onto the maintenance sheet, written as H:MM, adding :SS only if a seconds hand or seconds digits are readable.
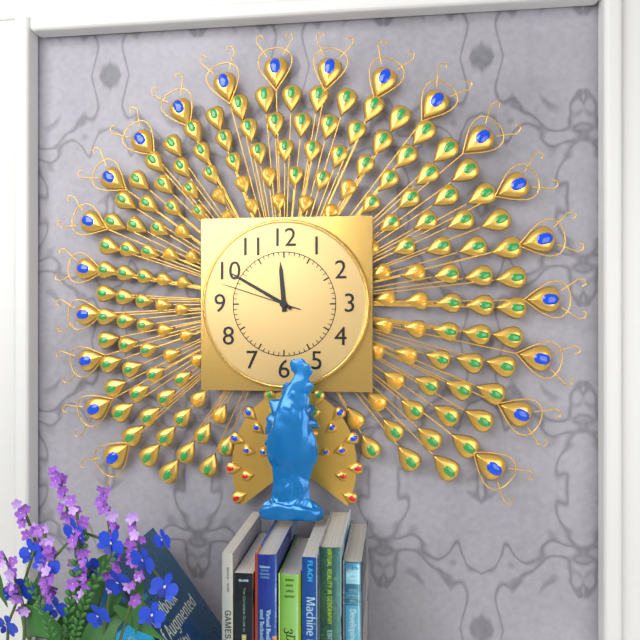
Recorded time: 11:50:48
